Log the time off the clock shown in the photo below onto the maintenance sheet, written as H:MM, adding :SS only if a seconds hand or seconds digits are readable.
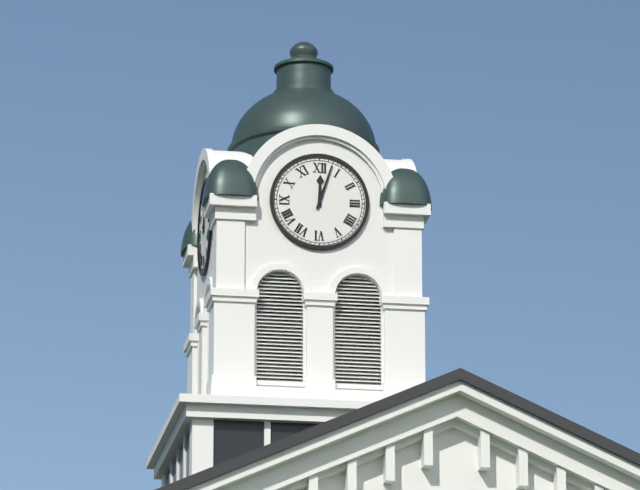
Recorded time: 12:03
